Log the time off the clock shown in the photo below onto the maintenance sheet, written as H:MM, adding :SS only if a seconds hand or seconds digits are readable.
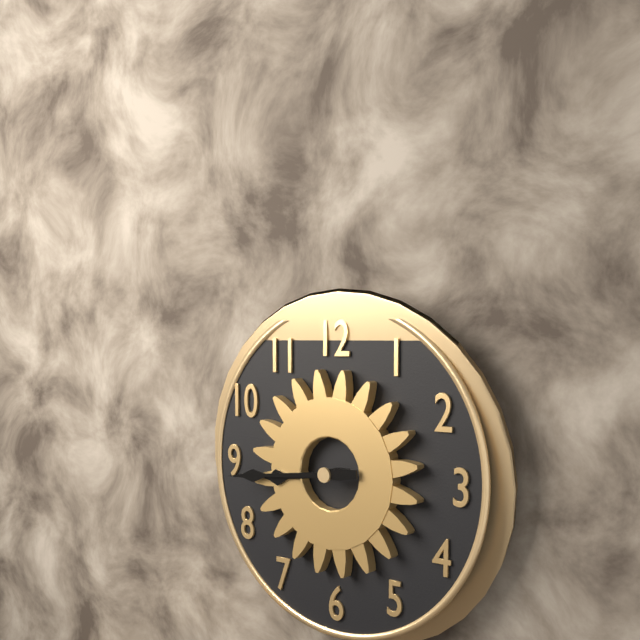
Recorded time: 8:44
